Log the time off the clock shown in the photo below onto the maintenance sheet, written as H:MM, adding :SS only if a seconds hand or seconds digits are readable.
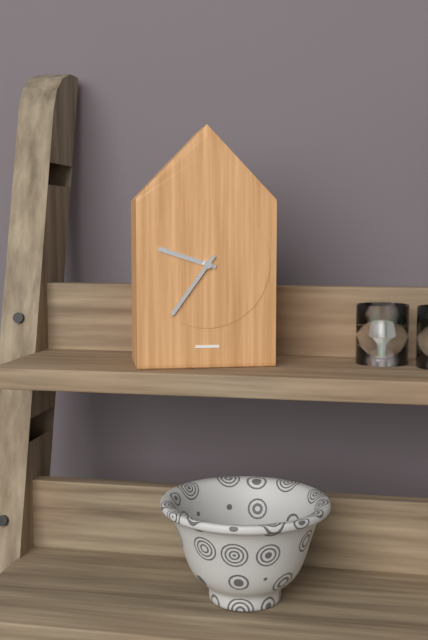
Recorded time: 9:36
